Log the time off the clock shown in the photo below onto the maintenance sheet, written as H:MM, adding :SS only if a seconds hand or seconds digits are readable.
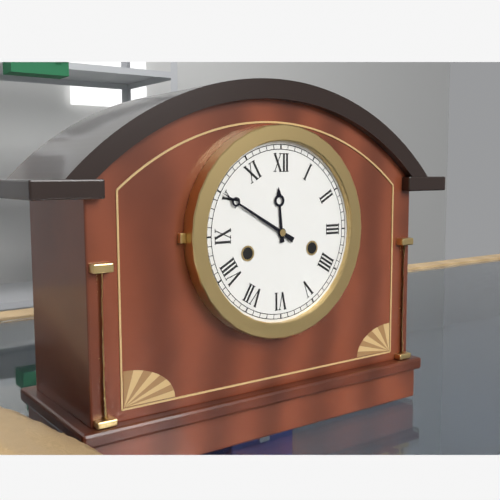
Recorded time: 11:50
